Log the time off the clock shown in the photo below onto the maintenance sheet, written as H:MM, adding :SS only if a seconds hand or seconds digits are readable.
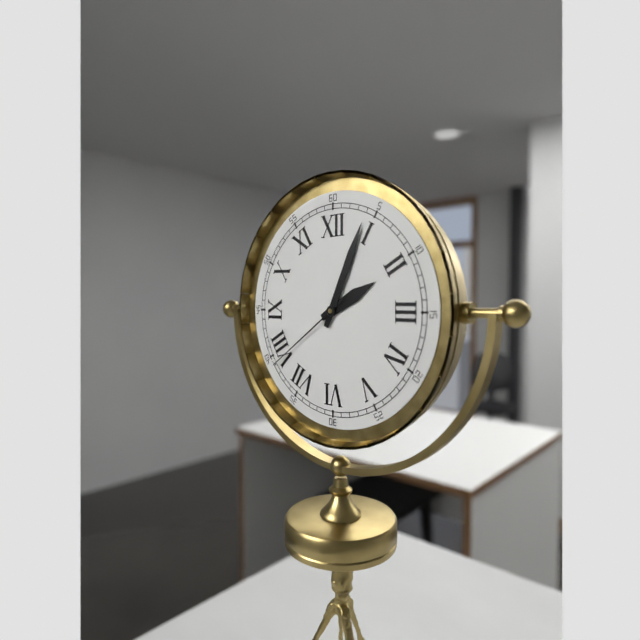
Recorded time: 2:04:39
